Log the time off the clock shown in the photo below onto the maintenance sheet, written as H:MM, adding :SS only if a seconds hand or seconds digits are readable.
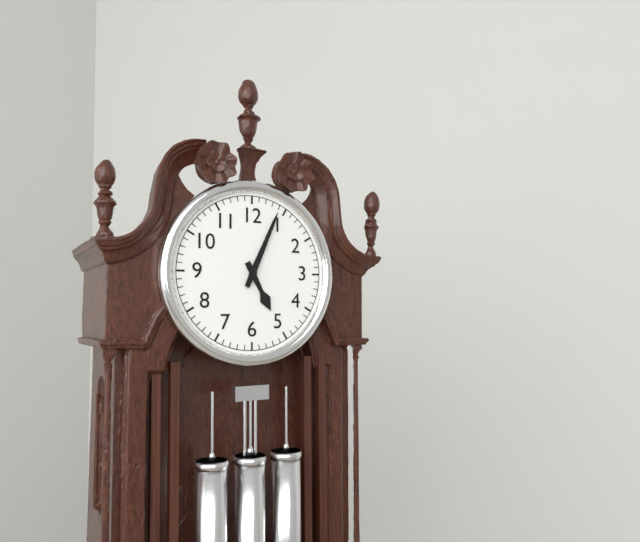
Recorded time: 5:04
